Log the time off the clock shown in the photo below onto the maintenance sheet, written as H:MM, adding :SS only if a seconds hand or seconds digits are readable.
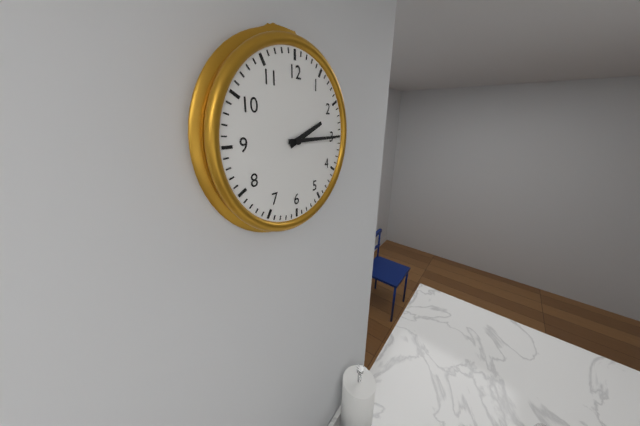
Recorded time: 2:15
